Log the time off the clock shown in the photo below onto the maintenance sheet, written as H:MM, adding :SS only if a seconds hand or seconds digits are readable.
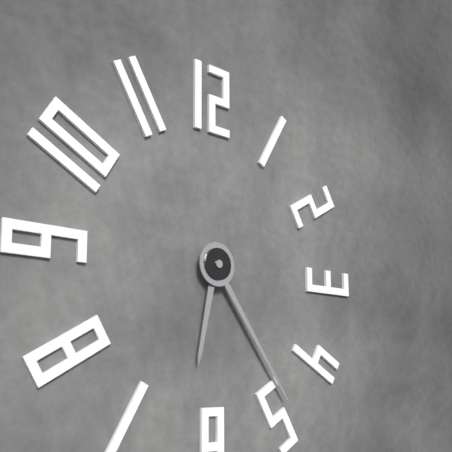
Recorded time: 6:24
